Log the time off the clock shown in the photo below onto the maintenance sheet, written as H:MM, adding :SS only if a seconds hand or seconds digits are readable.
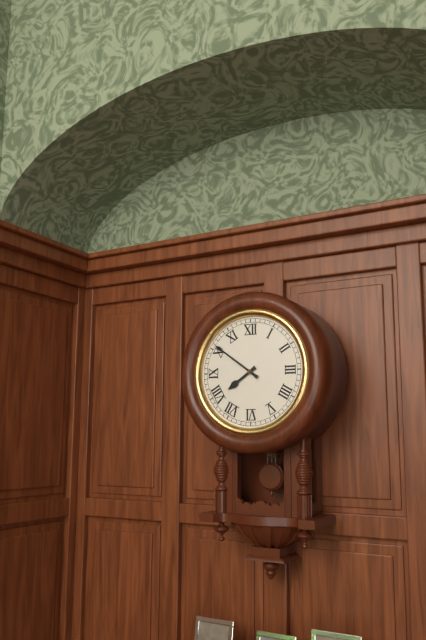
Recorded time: 7:51
